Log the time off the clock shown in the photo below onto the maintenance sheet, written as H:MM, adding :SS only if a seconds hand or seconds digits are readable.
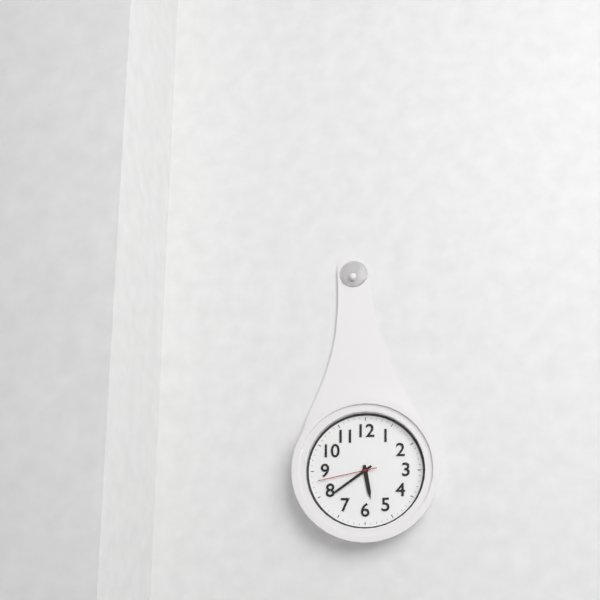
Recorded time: 5:39:43
